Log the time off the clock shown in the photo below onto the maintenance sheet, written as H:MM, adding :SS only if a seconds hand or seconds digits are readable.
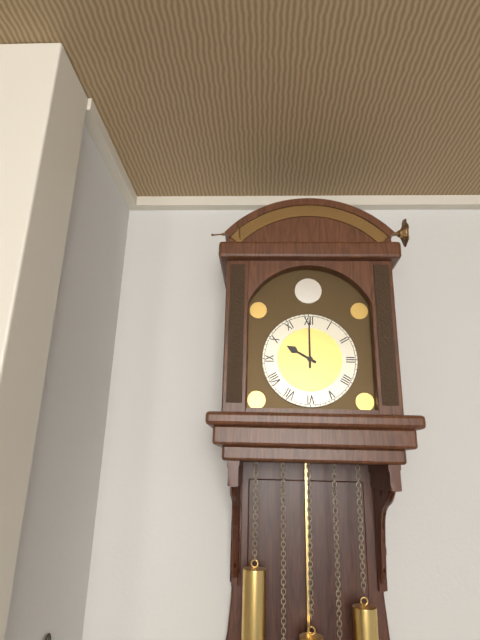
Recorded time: 10:00
